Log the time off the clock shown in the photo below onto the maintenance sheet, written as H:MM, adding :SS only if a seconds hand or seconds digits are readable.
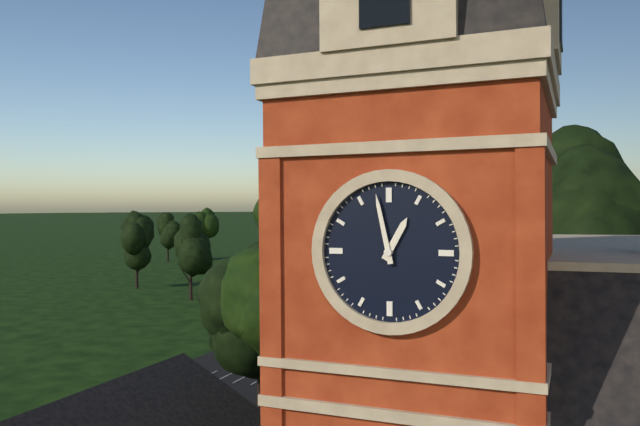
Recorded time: 12:58
